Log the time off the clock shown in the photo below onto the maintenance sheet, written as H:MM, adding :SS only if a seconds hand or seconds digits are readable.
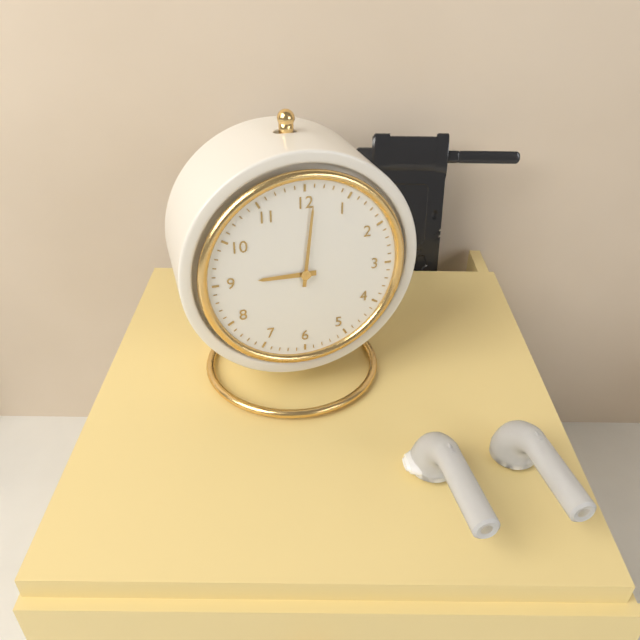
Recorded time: 9:01
